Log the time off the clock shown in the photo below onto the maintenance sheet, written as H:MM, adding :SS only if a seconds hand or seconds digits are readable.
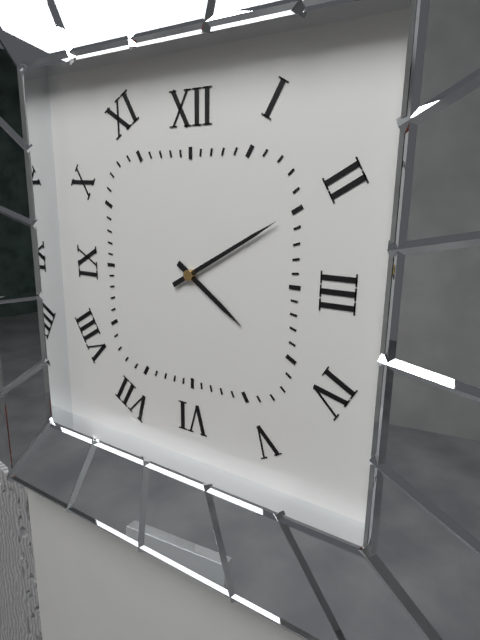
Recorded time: 4:10
